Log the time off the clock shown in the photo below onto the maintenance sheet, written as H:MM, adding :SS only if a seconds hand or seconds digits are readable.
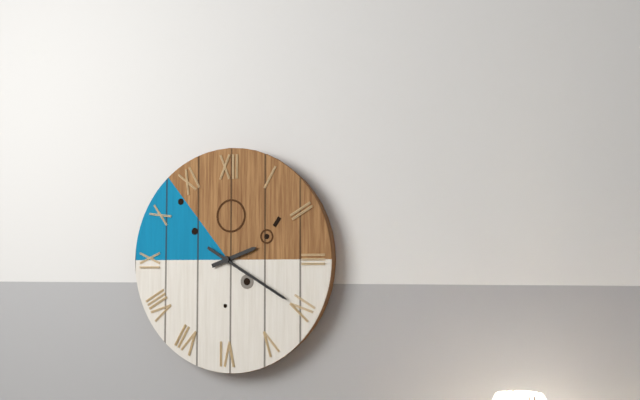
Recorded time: 2:20
